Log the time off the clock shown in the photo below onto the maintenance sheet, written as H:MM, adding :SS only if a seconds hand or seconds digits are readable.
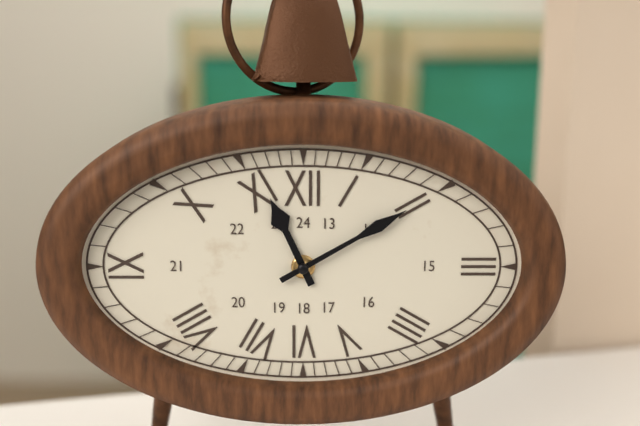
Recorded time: 11:10
